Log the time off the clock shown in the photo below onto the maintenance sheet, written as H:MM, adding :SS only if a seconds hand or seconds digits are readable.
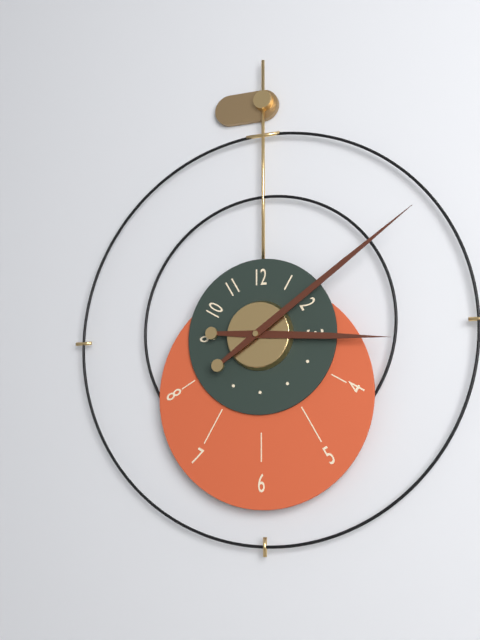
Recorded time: 3:09
